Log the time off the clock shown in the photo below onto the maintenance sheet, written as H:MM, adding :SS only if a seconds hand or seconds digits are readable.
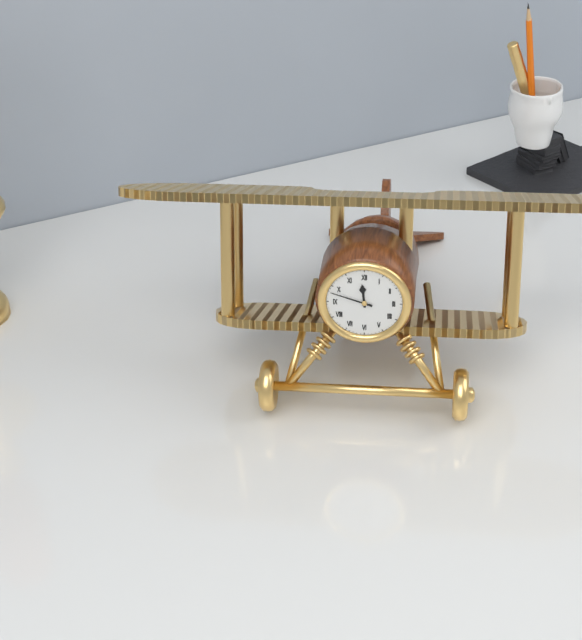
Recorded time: 11:48
